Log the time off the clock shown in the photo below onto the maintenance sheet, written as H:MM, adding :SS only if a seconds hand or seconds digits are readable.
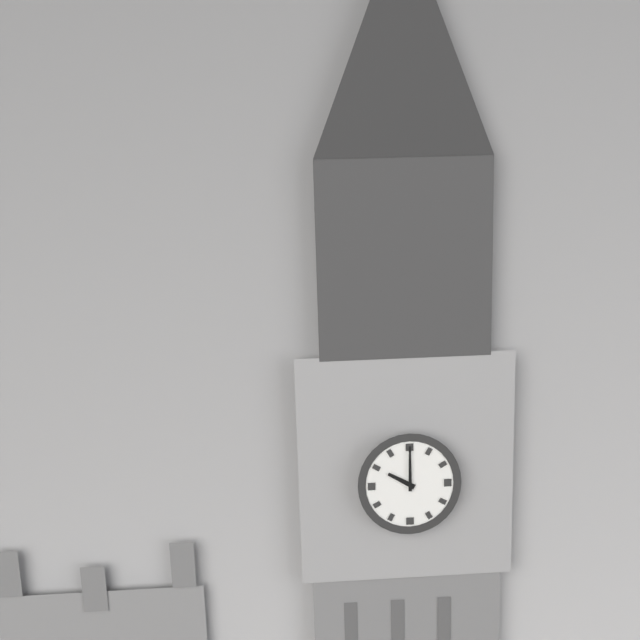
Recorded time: 10:00
